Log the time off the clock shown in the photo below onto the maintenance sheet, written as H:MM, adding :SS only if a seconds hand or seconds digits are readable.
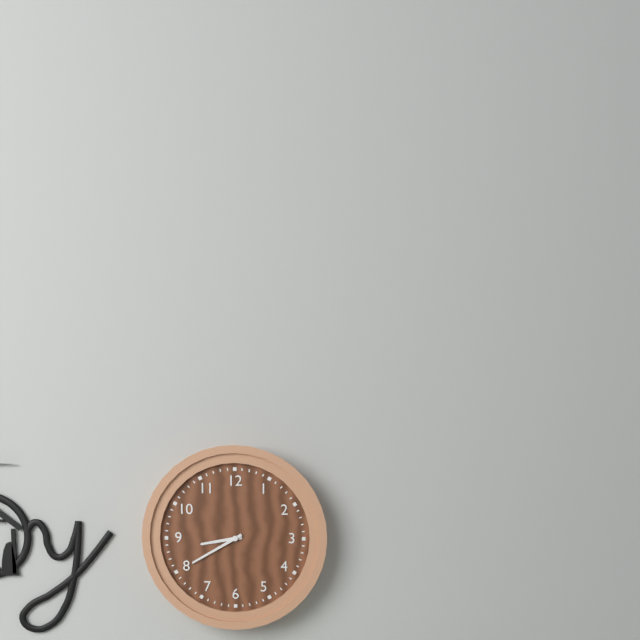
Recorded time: 8:40
